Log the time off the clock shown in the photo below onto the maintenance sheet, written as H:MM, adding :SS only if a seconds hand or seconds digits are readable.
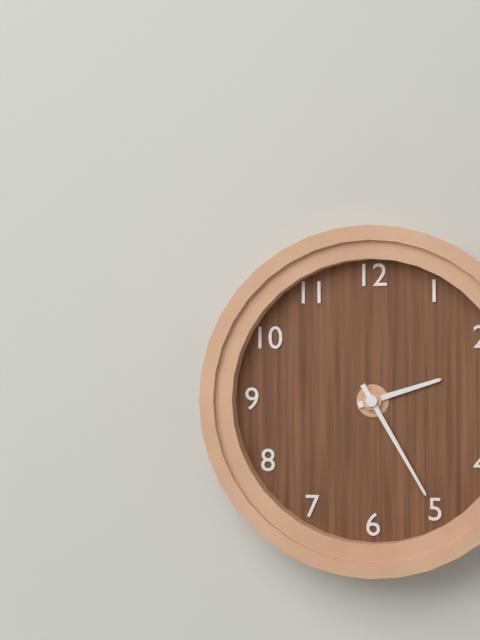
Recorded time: 2:25
